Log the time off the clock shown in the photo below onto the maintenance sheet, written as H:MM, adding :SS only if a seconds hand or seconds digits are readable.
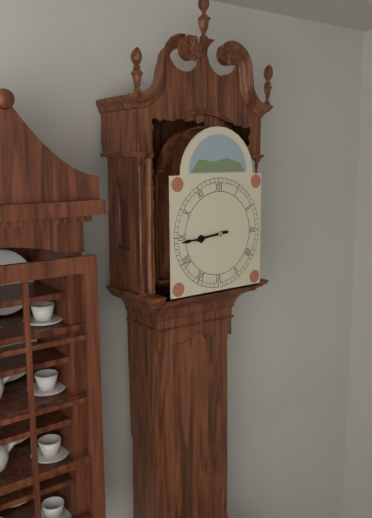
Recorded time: 8:44
